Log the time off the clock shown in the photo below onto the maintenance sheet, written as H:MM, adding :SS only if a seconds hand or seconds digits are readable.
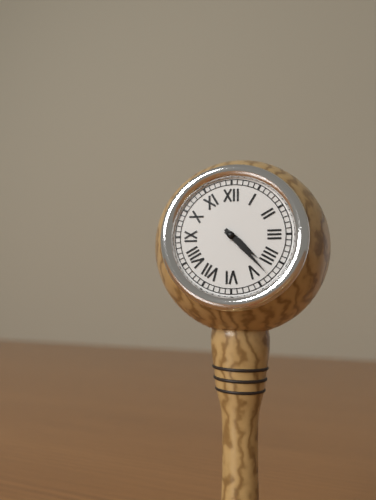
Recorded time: 4:23
